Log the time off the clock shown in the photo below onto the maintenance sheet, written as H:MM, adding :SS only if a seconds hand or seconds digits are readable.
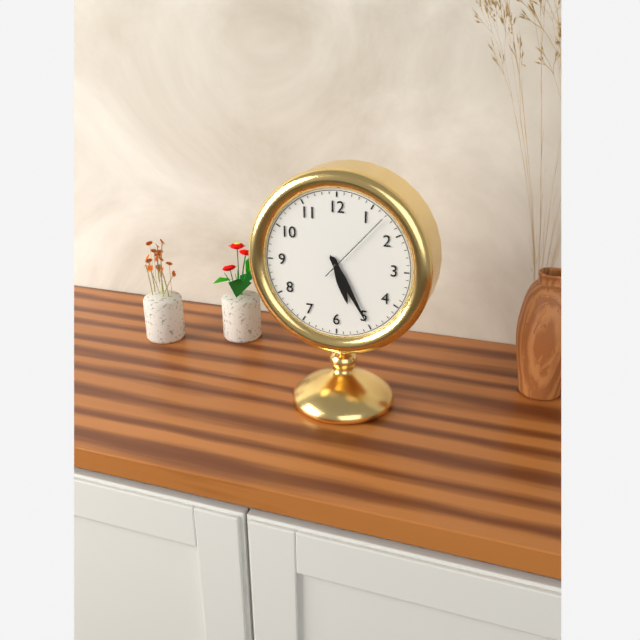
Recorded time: 5:25:07
